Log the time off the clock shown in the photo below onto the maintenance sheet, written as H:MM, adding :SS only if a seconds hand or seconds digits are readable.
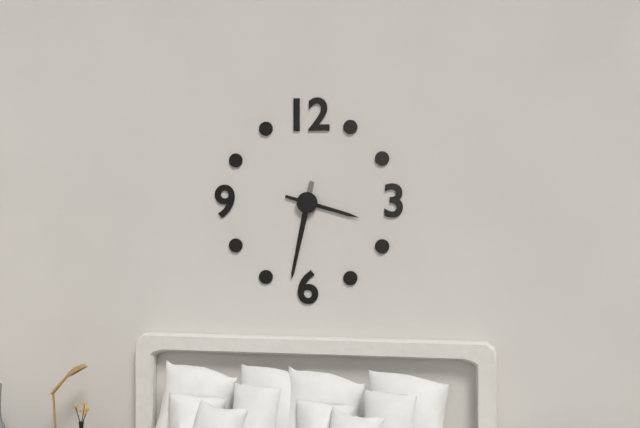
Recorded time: 3:32
